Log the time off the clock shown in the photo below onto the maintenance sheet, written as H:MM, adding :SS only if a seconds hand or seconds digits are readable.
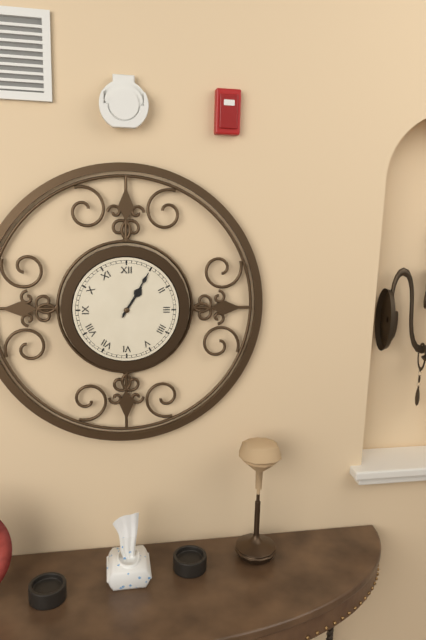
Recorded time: 1:05
